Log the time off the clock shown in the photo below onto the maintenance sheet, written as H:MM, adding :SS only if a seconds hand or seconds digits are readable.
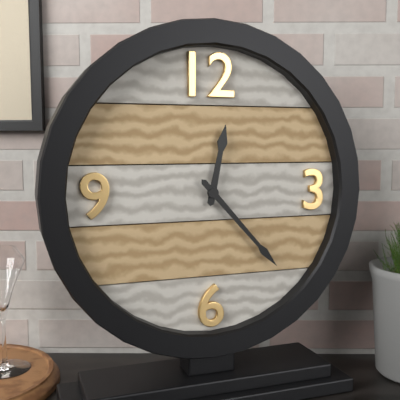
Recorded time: 12:23
